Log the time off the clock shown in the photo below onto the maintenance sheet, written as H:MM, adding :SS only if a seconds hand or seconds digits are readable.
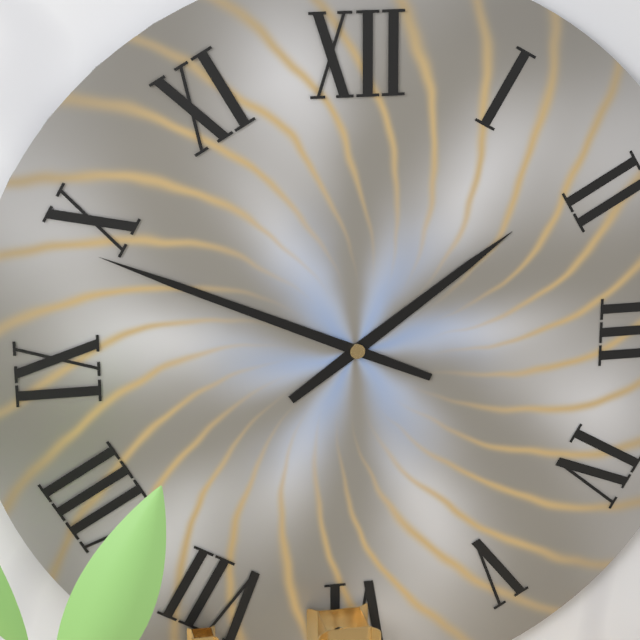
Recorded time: 1:49
